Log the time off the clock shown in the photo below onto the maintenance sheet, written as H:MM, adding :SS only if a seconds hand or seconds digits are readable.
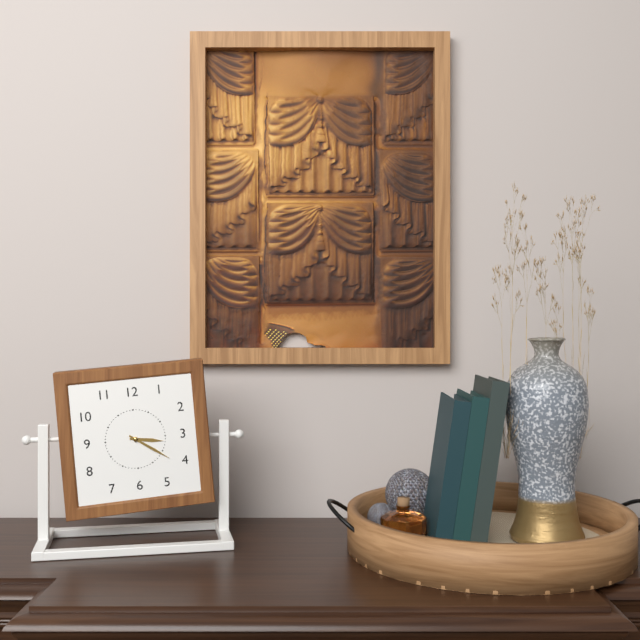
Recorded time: 3:21
